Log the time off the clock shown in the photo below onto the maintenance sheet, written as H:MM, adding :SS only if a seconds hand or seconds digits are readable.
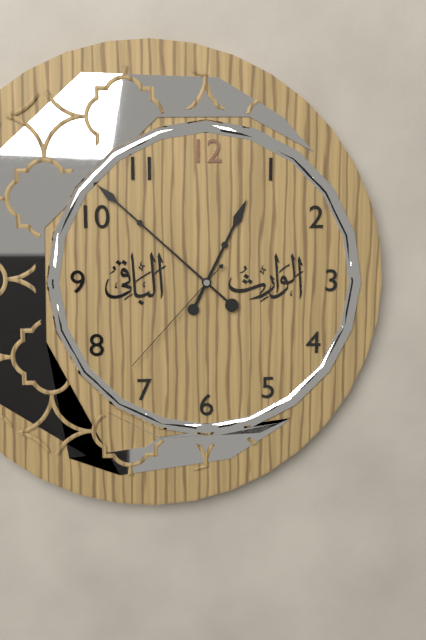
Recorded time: 12:52:37
